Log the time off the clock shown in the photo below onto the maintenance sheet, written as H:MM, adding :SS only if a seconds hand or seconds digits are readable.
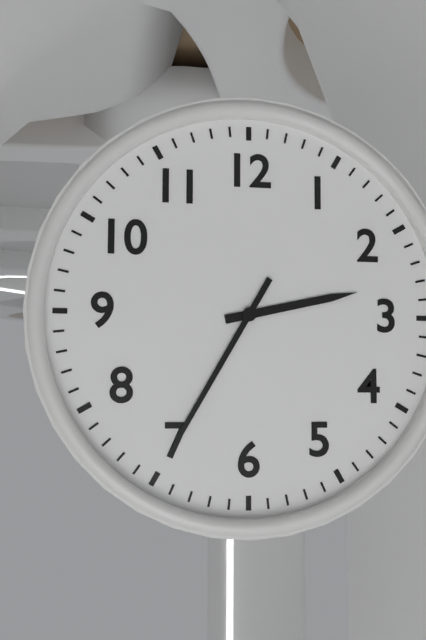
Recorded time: 2:35
